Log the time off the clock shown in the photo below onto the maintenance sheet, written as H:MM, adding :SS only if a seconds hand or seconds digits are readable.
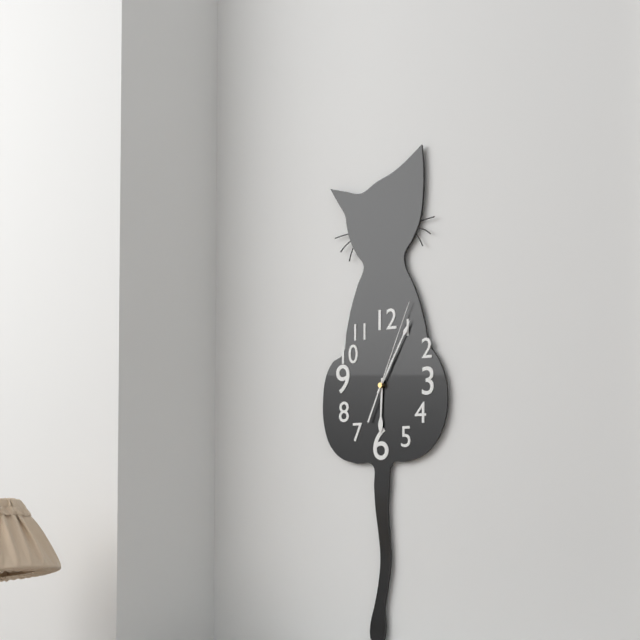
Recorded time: 6:05:04
